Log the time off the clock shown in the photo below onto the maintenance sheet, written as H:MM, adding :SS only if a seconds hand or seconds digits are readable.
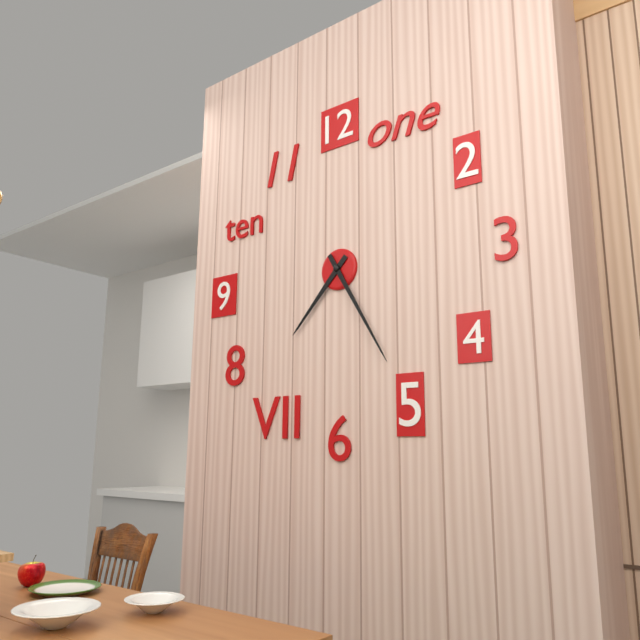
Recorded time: 7:25
